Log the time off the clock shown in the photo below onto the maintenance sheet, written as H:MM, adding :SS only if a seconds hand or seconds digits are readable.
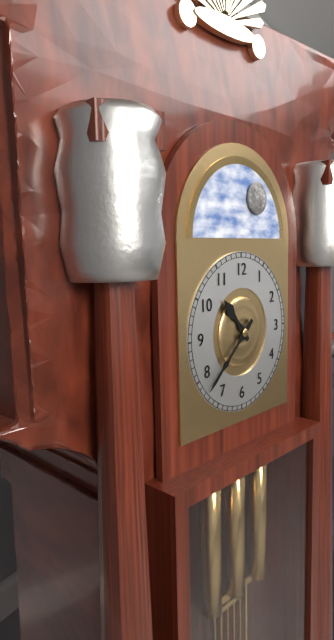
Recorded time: 10:38
